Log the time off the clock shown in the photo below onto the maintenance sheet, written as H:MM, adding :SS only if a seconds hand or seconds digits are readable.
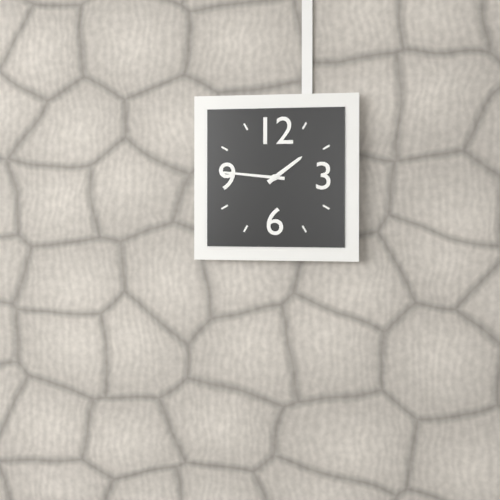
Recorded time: 1:46
